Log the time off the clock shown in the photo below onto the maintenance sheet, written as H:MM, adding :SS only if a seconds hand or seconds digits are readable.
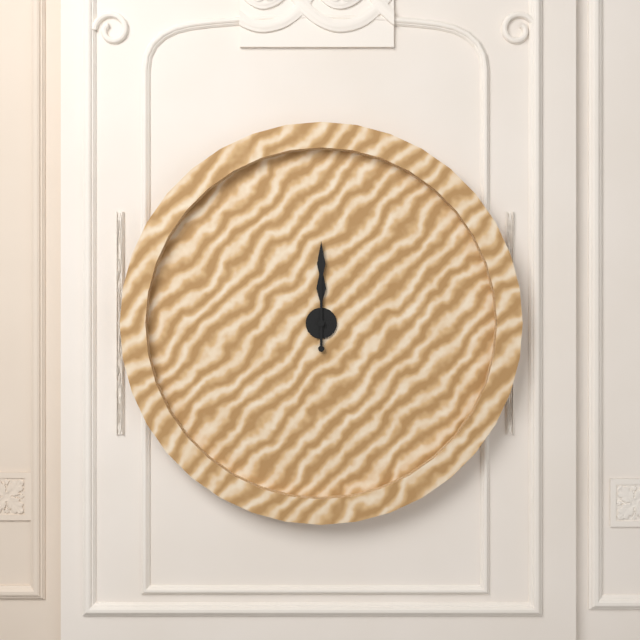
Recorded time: 12:00
